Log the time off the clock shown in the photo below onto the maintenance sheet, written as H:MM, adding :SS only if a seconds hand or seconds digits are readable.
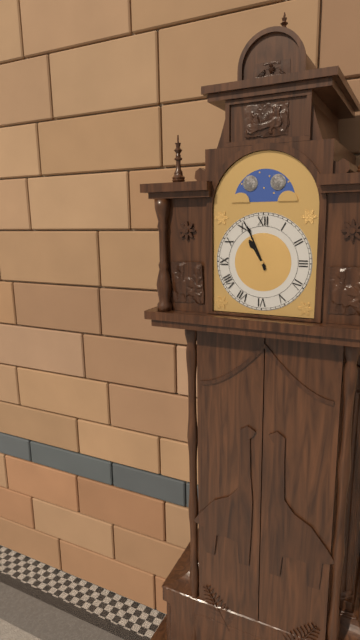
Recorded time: 10:56
